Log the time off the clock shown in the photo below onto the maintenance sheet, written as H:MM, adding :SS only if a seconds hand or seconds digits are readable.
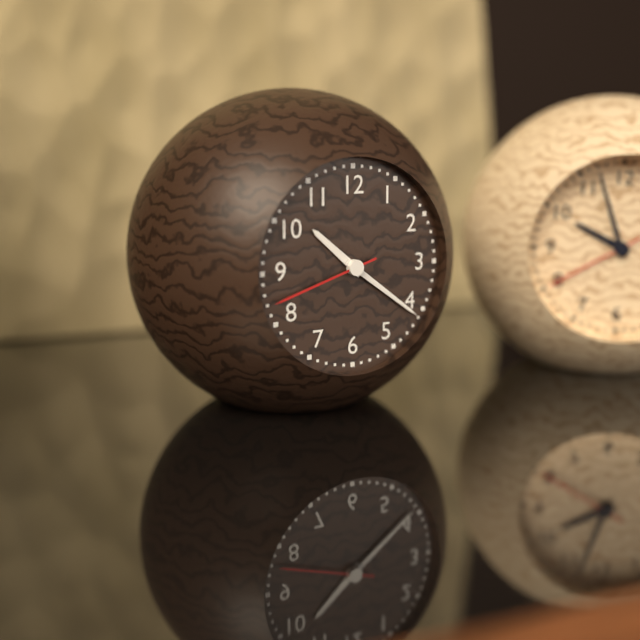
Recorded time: 10:21:42
